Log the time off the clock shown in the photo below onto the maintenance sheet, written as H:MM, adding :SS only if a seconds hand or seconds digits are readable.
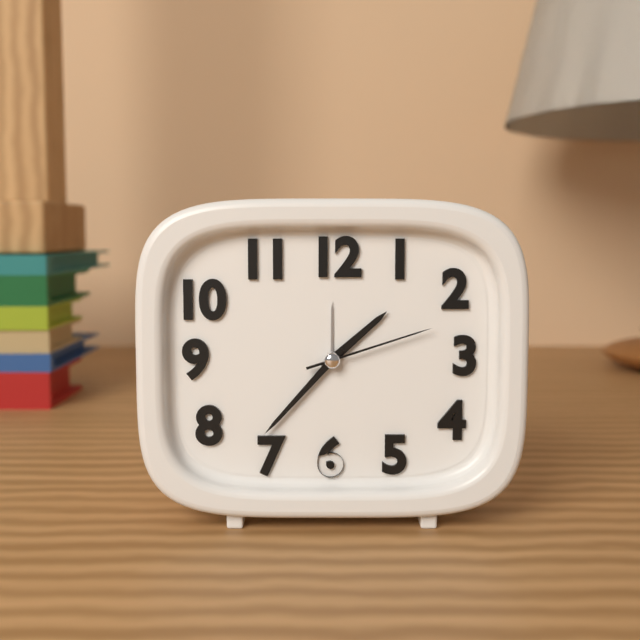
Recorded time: 1:37:12
